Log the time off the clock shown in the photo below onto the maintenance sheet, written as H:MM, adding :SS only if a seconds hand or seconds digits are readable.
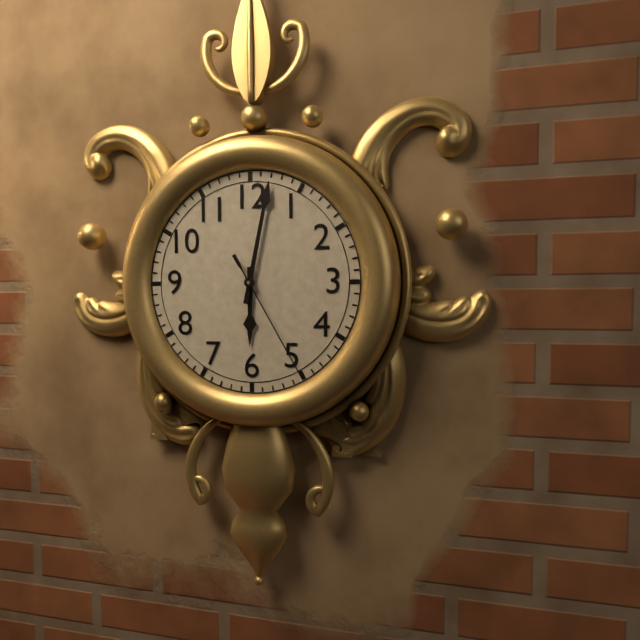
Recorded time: 6:02:25
